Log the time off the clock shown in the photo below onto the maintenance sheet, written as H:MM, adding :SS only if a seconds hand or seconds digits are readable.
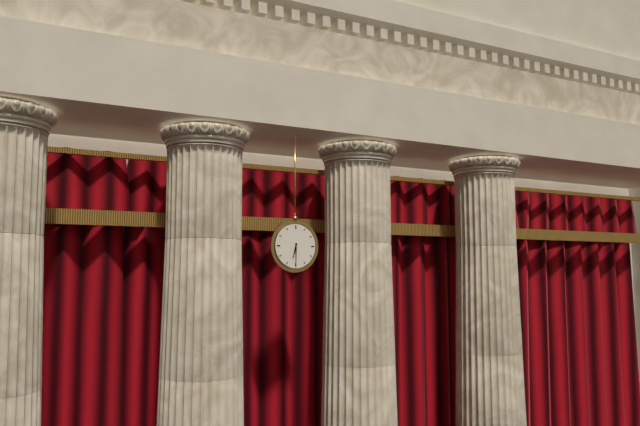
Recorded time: 6:30
